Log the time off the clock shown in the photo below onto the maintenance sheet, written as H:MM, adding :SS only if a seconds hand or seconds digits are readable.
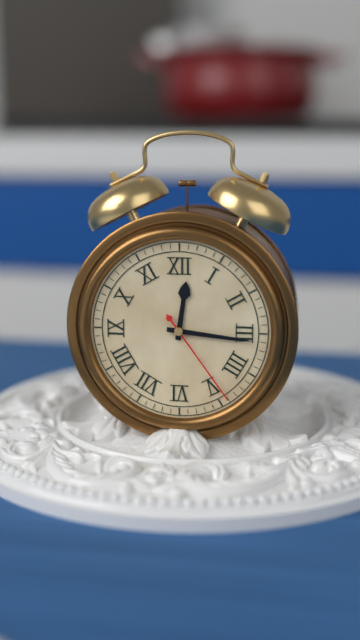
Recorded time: 12:16:24
